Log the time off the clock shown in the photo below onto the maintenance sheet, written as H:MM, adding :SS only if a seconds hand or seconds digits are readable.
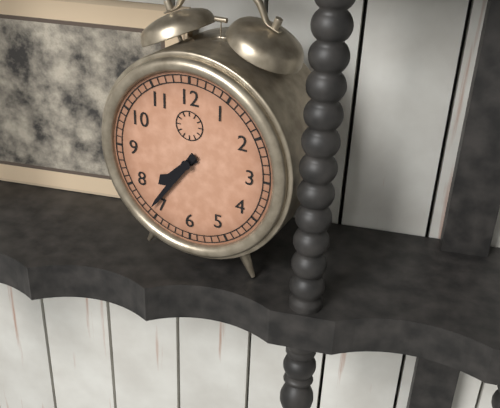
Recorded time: 7:36
